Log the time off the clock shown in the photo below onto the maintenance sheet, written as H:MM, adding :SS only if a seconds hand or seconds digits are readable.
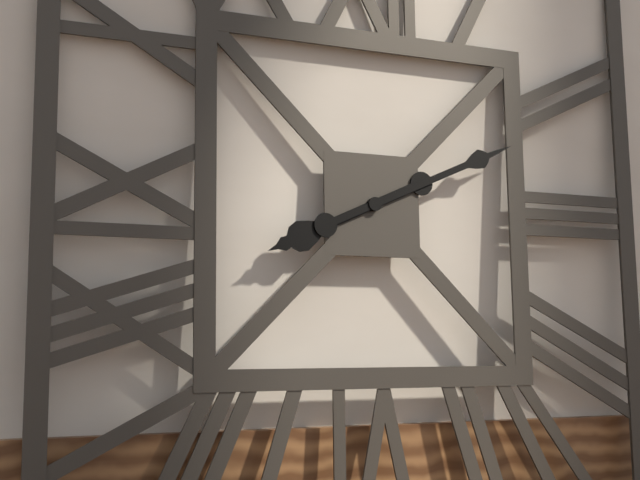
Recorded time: 8:11
